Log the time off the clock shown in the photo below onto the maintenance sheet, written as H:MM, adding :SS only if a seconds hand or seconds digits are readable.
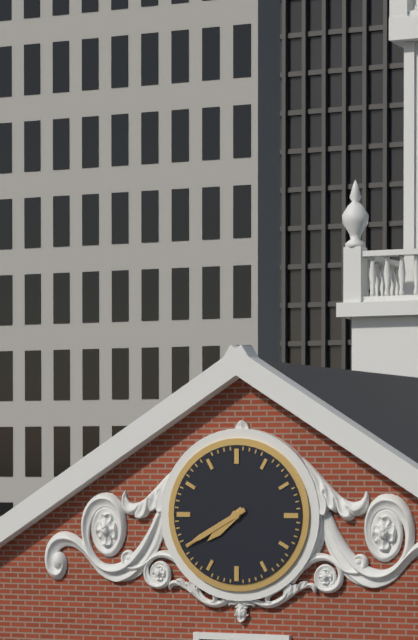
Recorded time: 7:40
